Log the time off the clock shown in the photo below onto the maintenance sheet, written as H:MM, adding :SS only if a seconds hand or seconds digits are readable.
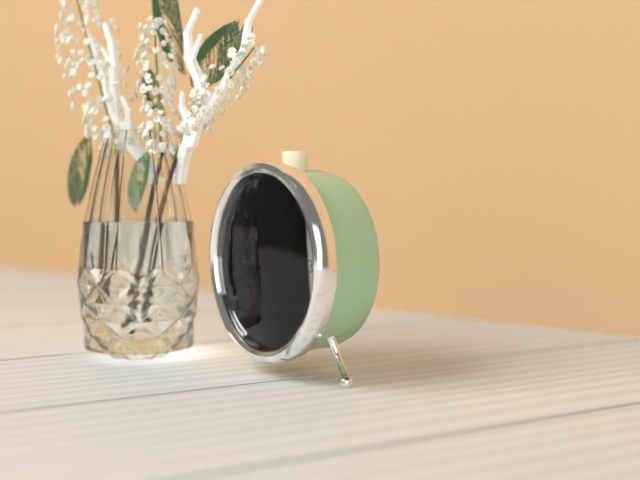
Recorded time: 12:01
